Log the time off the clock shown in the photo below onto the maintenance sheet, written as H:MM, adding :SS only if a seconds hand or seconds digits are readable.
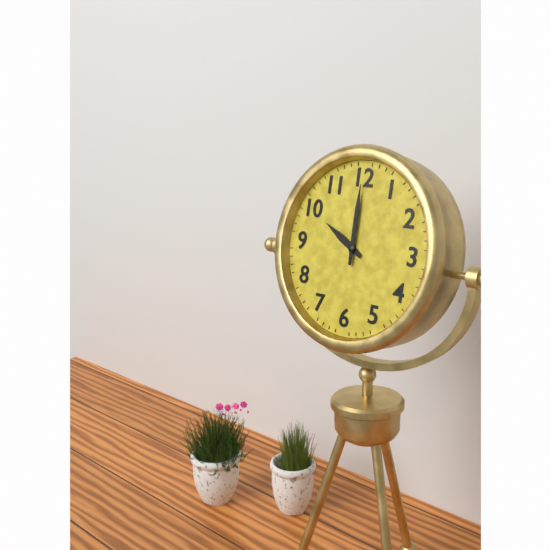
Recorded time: 10:00
